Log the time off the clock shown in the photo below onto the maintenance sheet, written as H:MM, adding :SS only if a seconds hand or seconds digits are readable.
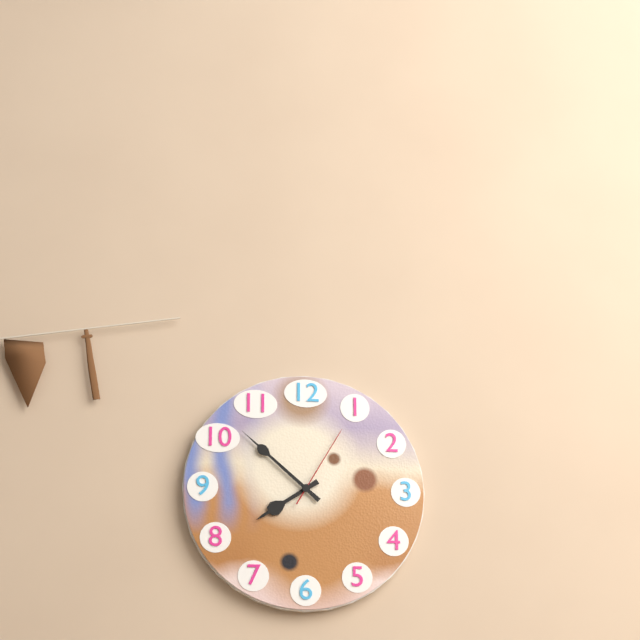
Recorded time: 7:52:05
